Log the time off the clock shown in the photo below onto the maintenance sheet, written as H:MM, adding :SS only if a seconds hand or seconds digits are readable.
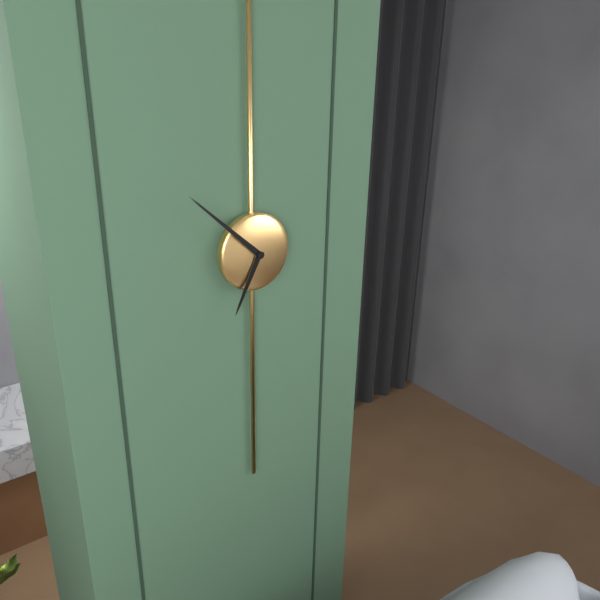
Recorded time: 6:52
